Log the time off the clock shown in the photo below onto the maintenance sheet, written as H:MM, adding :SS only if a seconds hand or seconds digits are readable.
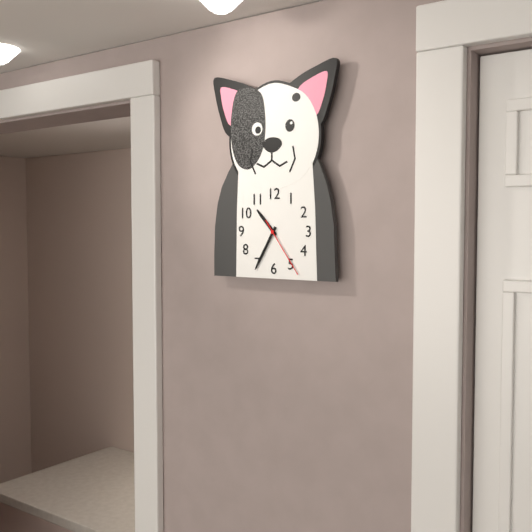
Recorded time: 10:35:24
